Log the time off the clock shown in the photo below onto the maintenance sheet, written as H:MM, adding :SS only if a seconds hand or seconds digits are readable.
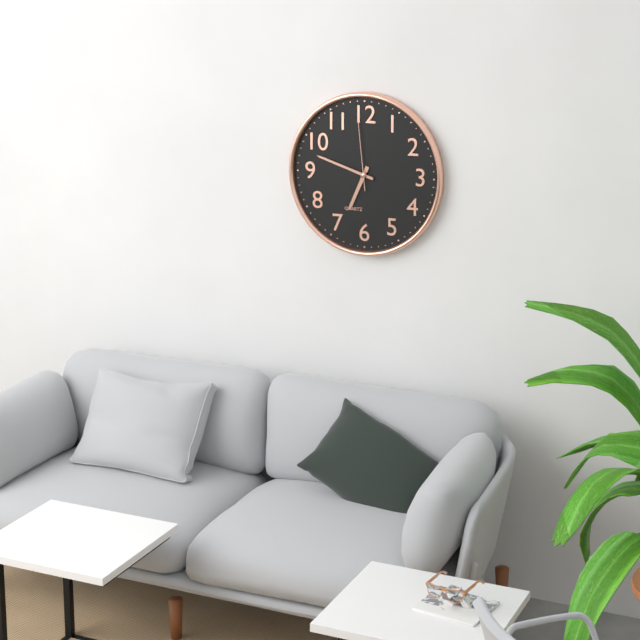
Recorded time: 6:48:59
